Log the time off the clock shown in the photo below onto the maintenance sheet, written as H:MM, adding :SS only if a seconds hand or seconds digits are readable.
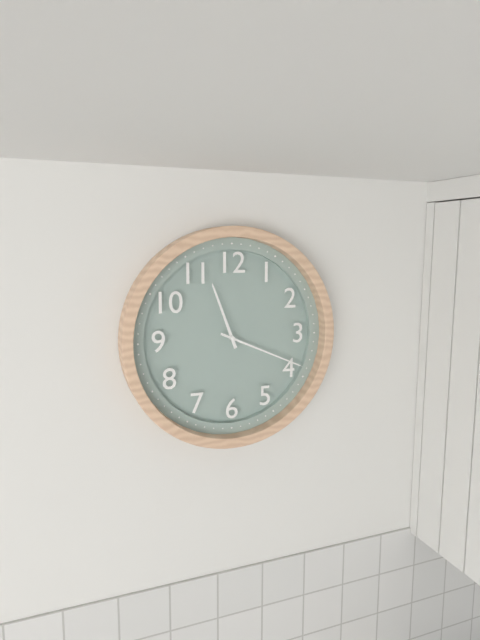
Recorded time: 11:19
